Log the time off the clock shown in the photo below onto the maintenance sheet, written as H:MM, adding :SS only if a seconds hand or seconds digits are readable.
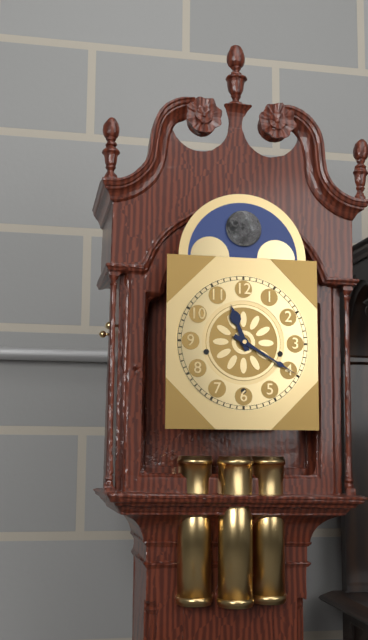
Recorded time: 11:20
